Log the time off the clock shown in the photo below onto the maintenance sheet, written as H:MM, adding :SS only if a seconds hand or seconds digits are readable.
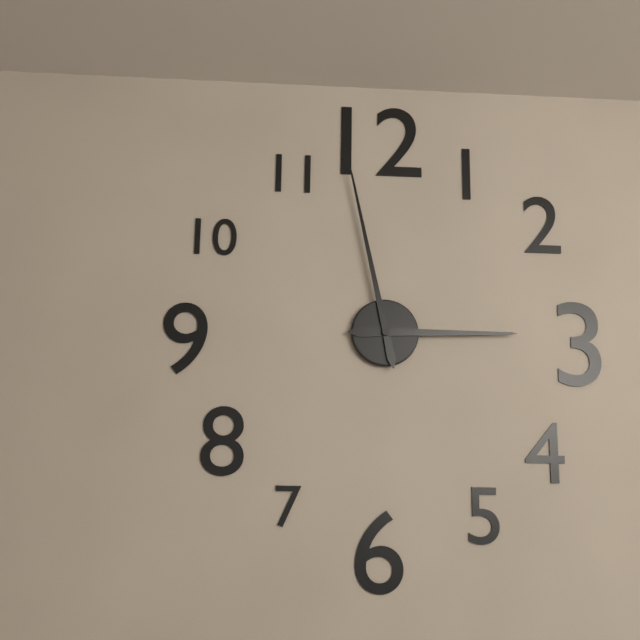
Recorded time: 2:58
